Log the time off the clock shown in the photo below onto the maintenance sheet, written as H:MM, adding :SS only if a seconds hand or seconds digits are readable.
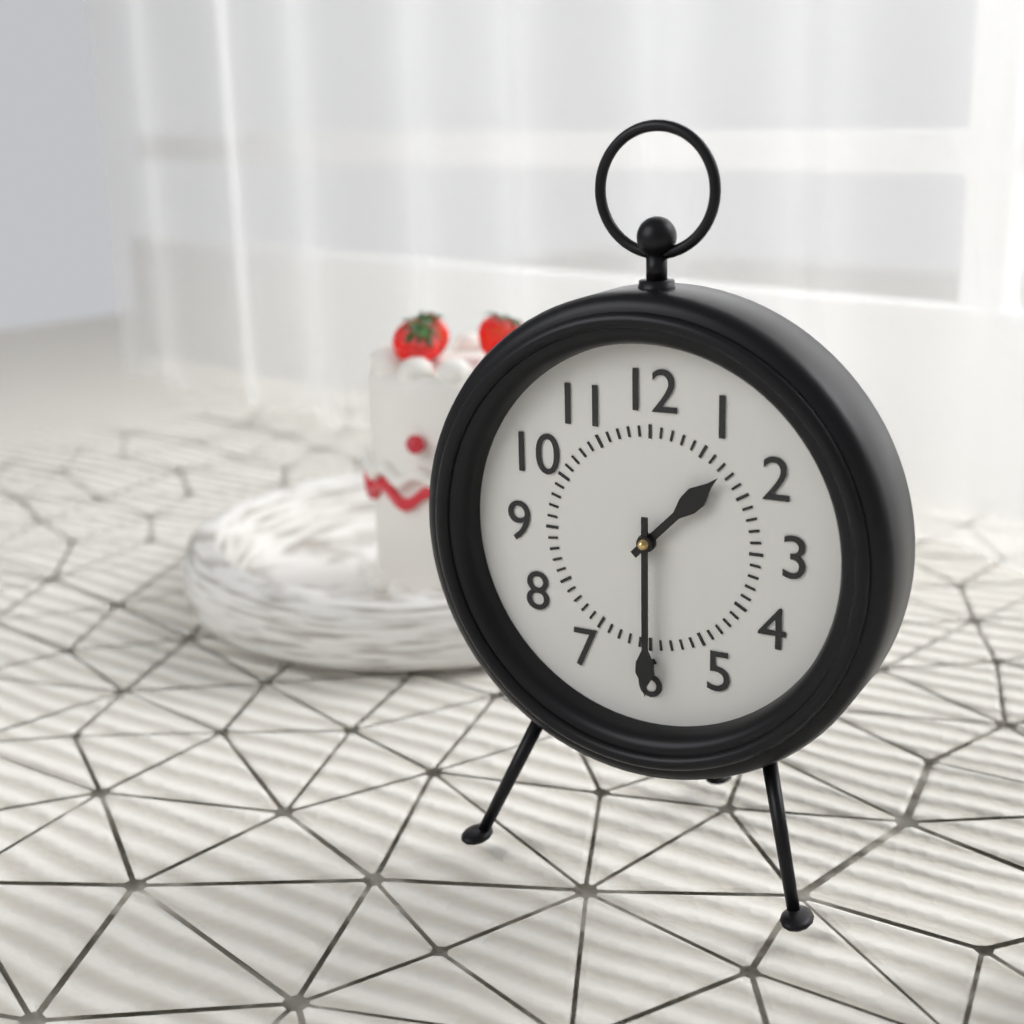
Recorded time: 1:30
